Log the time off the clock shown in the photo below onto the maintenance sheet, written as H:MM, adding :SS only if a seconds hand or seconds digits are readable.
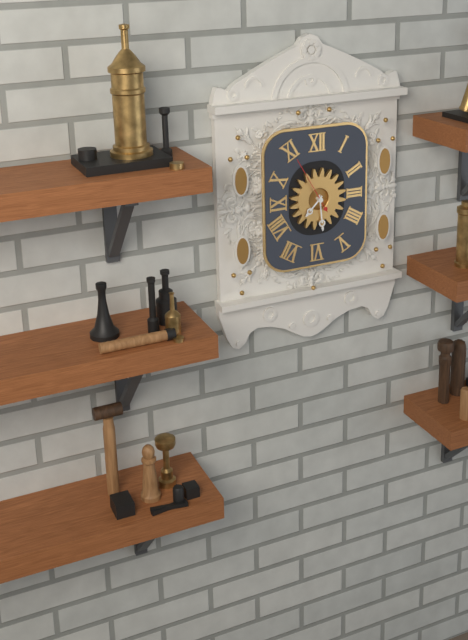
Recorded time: 7:29:55
